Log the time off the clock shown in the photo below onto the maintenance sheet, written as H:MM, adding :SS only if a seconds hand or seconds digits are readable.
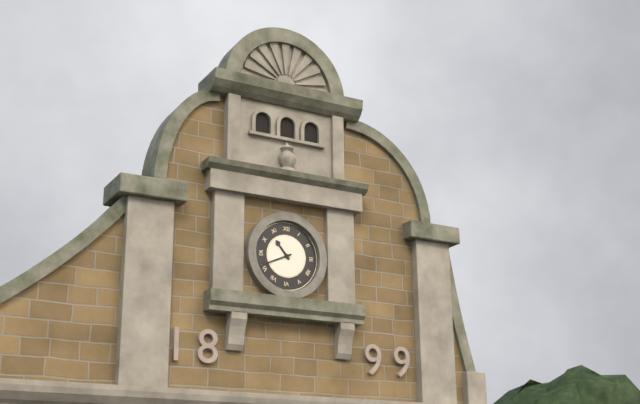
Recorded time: 10:41
